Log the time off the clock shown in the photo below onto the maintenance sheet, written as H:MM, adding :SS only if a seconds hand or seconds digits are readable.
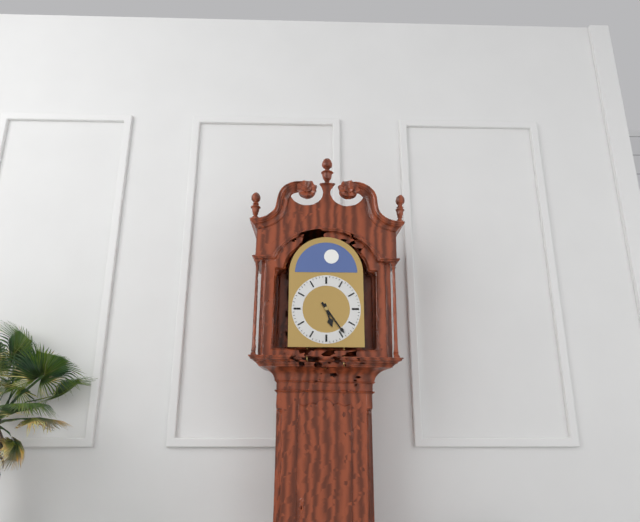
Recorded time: 5:24
